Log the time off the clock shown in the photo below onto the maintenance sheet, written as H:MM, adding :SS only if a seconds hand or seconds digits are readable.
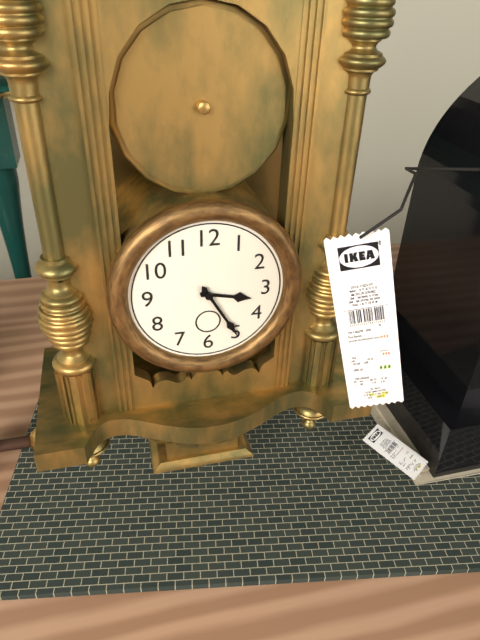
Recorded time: 3:25
